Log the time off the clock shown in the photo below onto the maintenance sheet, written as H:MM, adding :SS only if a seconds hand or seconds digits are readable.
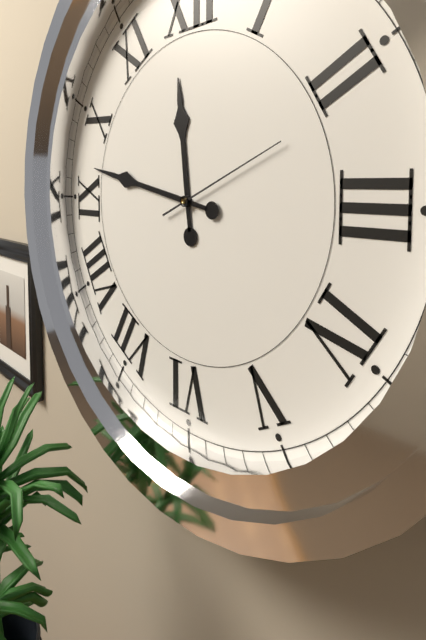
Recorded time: 11:47:11
